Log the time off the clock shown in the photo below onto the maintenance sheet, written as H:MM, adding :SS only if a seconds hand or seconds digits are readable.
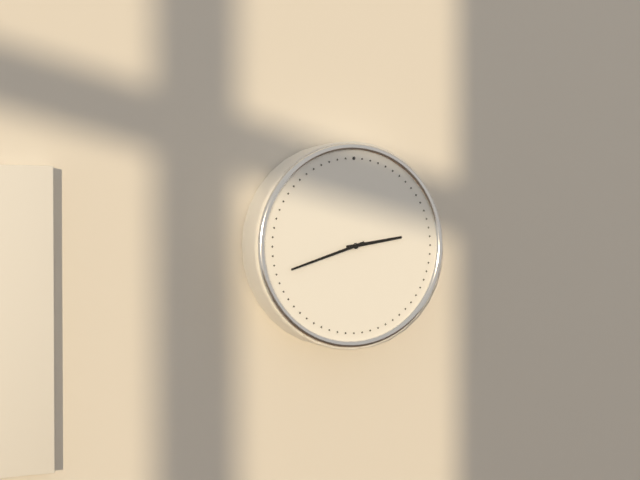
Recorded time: 2:42
